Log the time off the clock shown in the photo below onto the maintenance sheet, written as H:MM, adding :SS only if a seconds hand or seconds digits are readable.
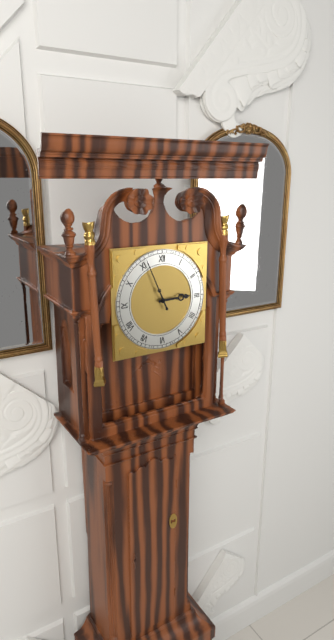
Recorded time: 2:56
